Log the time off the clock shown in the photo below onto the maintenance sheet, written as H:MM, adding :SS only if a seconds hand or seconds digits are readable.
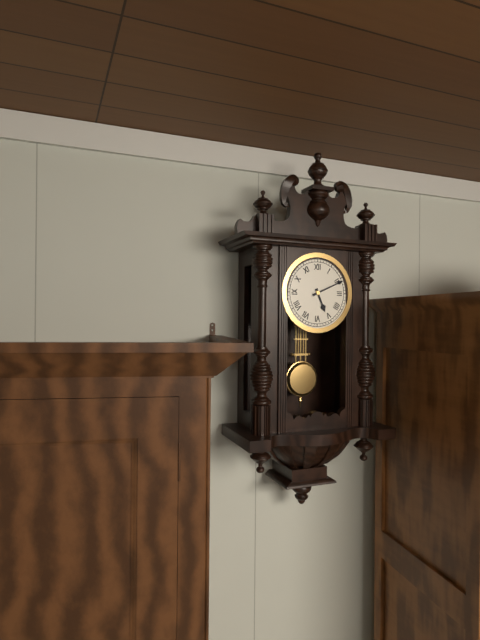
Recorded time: 5:11
